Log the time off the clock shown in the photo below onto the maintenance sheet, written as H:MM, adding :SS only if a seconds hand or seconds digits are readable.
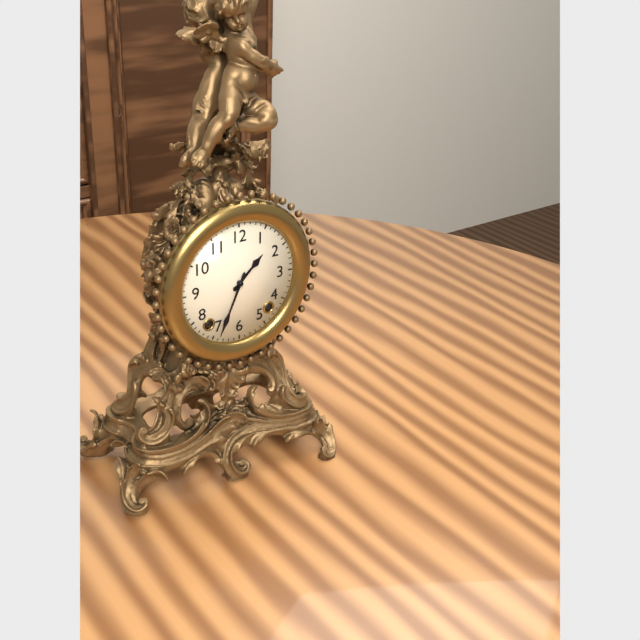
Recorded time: 1:34
